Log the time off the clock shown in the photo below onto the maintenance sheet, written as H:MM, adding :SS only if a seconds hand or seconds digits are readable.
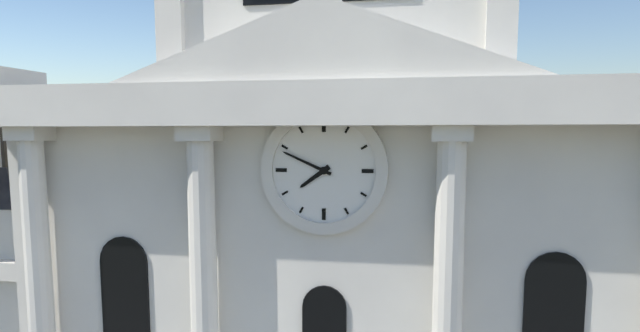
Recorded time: 7:49
